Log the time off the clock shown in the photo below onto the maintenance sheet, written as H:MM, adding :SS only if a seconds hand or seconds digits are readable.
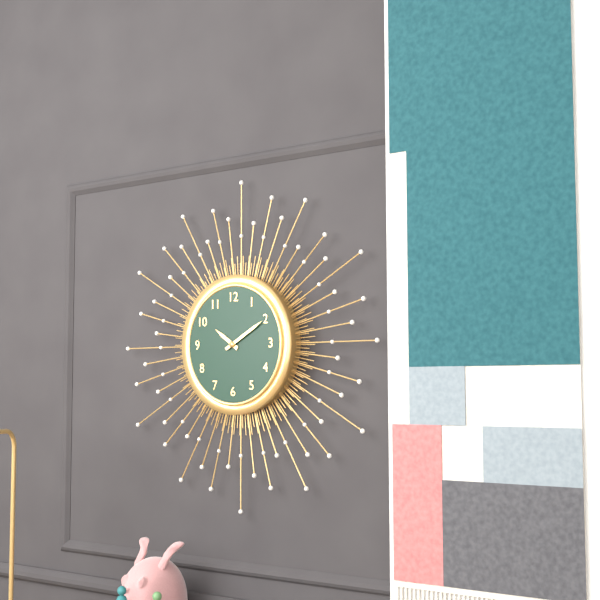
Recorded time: 10:10
